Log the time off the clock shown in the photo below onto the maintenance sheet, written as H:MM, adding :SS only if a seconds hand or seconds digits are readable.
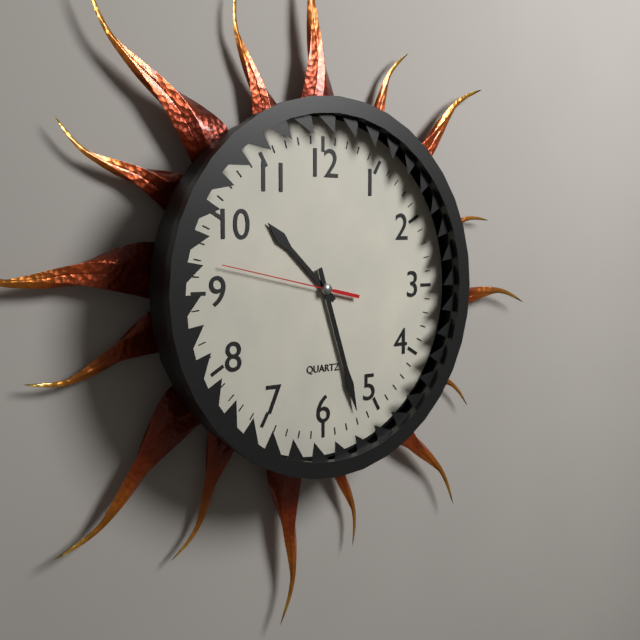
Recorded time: 10:27:47
